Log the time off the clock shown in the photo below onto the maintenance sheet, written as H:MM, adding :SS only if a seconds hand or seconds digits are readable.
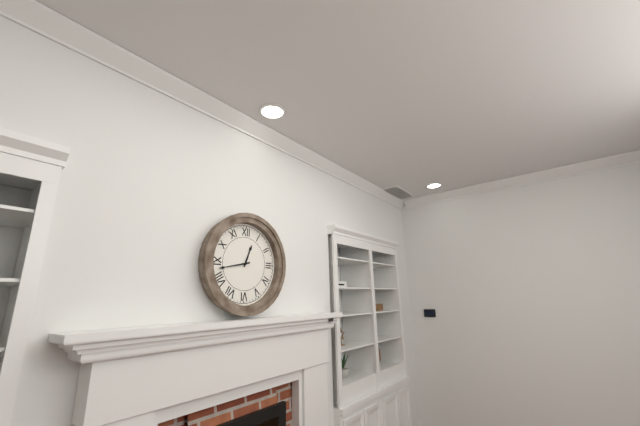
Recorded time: 12:43
